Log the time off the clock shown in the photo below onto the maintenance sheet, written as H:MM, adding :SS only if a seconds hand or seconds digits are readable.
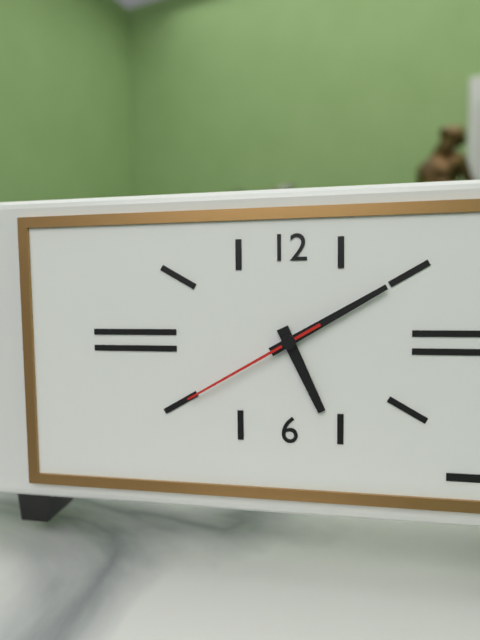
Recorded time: 5:10:40
